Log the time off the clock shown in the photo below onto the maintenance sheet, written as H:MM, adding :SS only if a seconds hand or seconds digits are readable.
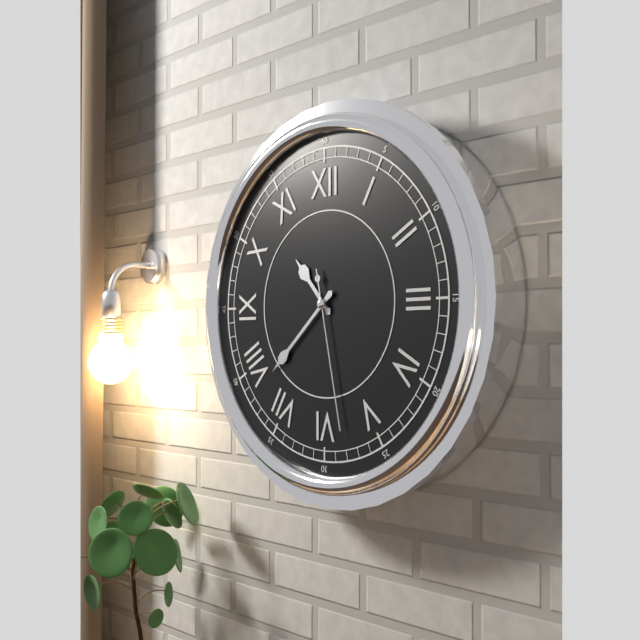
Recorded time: 10:38:28
